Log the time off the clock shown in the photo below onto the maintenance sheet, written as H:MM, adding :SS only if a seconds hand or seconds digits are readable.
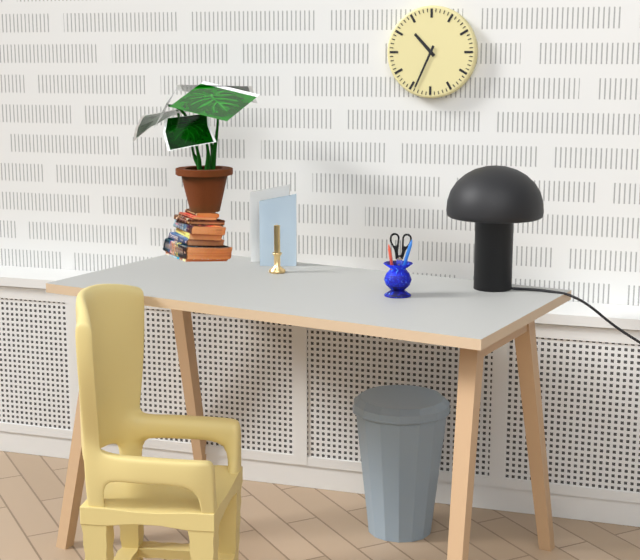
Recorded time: 10:34
